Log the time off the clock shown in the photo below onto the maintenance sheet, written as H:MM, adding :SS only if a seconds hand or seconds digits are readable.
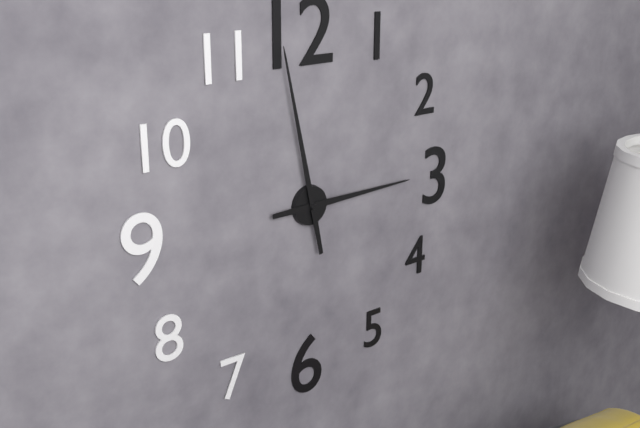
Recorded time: 2:58
